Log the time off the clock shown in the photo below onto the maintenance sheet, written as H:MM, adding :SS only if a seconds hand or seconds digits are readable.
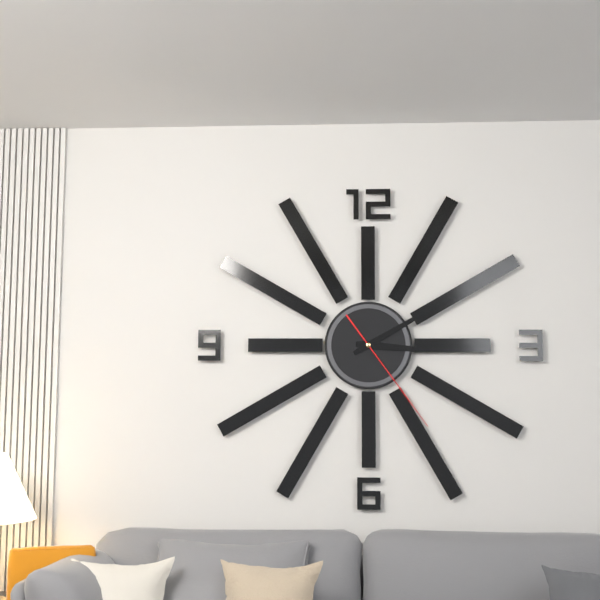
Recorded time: 3:10:24
